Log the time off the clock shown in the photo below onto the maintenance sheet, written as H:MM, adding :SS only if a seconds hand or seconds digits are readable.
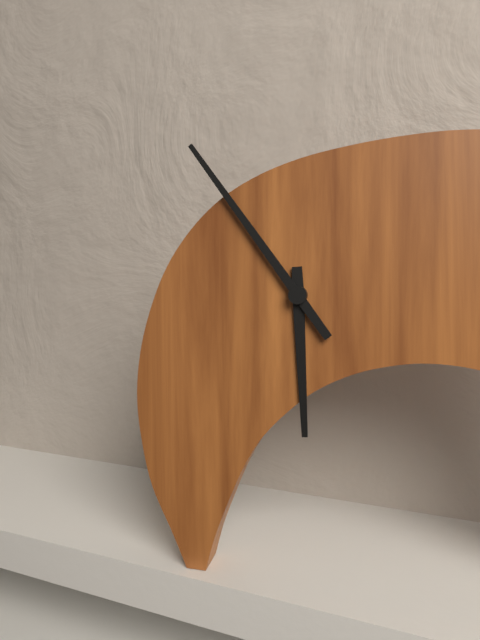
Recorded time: 5:54
